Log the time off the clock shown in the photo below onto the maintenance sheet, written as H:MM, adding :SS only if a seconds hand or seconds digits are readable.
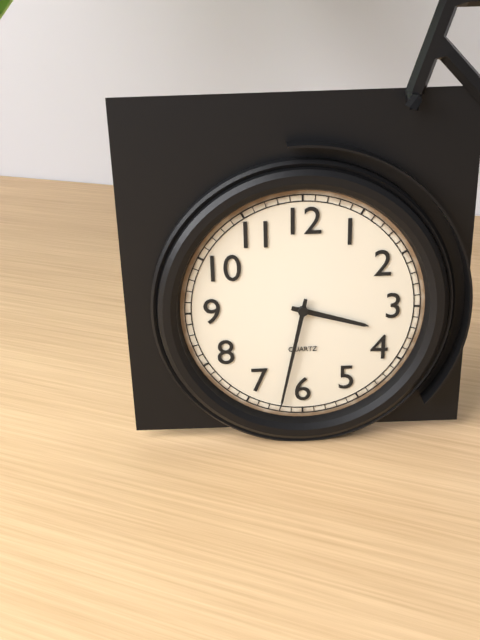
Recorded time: 3:32
